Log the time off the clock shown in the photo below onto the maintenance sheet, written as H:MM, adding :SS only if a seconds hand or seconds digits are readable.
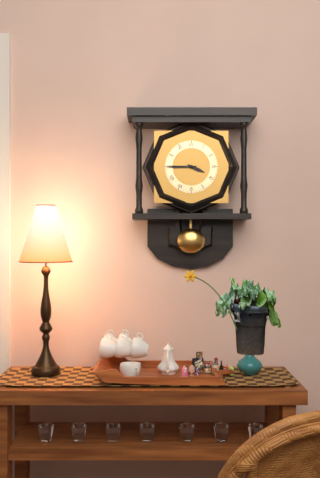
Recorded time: 3:45
